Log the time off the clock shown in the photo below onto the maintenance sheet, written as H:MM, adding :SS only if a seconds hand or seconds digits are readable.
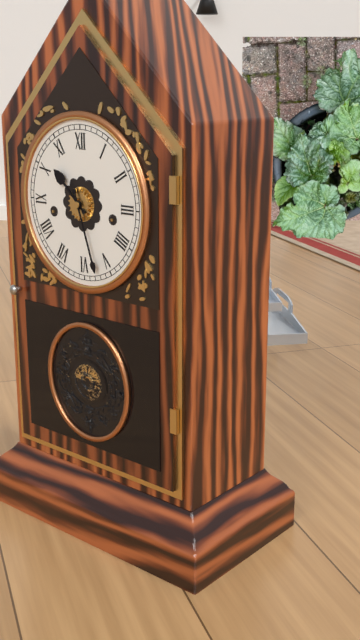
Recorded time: 10:27
